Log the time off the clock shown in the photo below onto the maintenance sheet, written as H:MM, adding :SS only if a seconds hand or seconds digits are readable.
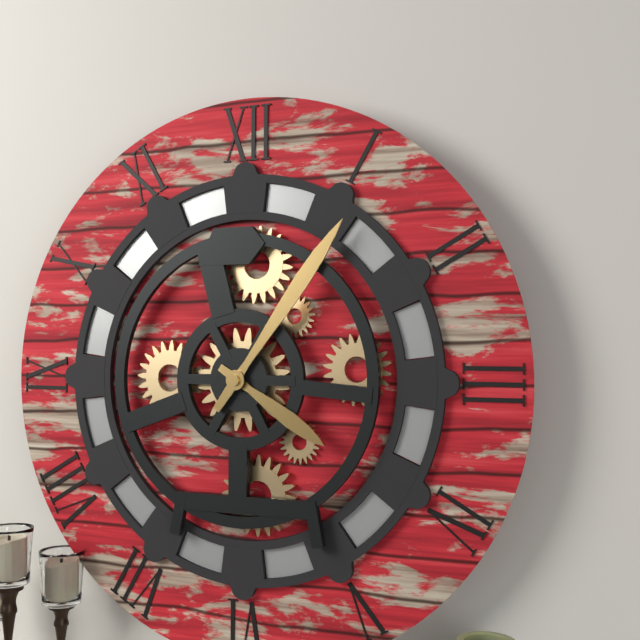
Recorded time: 4:06
